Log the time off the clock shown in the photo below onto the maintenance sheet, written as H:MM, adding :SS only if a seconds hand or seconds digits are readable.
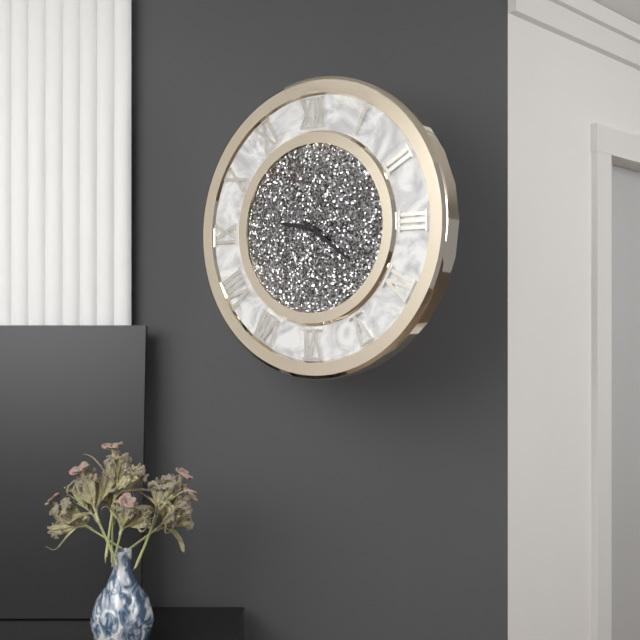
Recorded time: 9:21
